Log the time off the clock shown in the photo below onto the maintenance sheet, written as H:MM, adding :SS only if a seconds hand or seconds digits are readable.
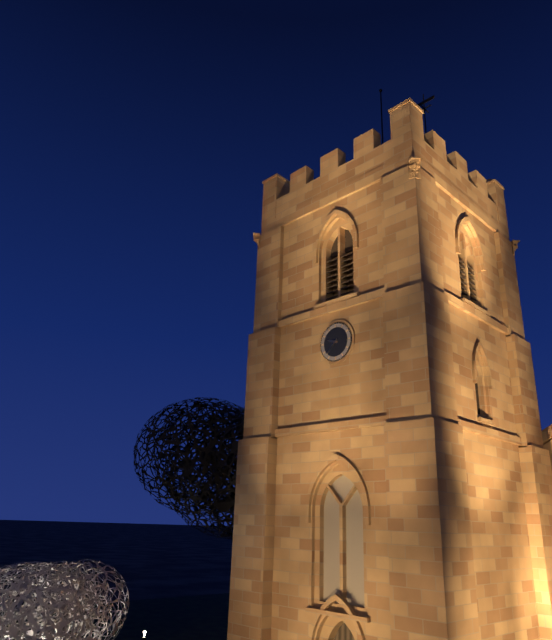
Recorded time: 9:37
